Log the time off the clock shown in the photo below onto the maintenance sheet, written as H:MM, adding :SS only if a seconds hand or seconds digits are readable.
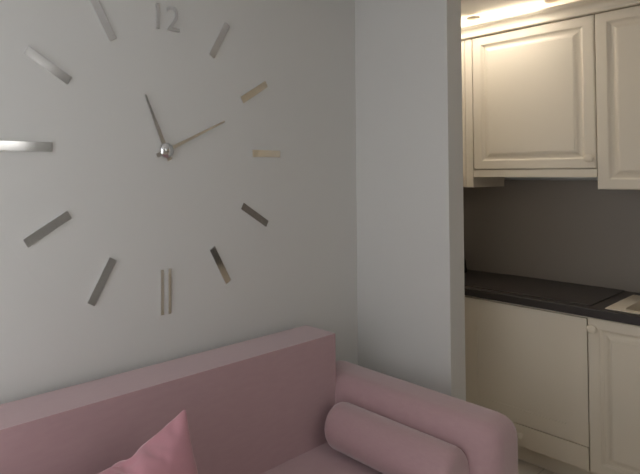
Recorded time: 11:11
